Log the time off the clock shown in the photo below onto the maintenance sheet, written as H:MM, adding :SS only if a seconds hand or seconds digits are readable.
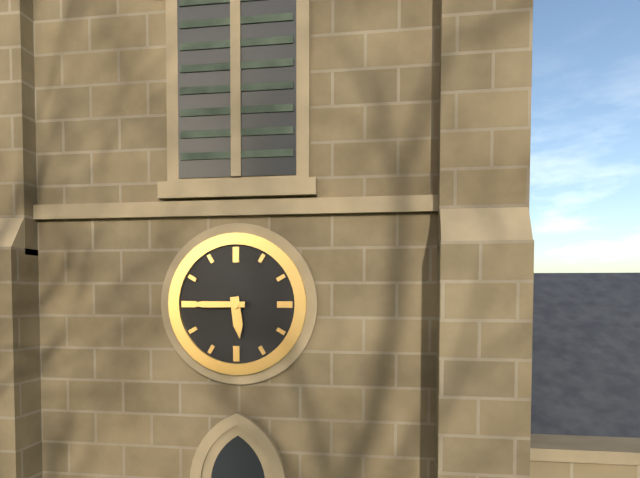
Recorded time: 5:45
